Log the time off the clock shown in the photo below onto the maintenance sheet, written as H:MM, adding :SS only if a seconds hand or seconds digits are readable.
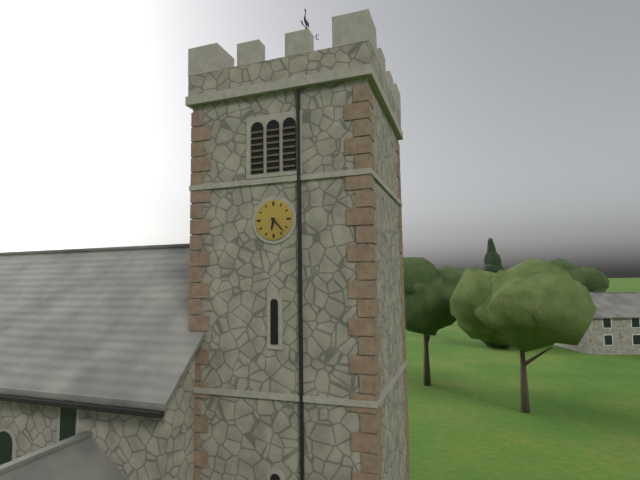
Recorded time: 6:23
